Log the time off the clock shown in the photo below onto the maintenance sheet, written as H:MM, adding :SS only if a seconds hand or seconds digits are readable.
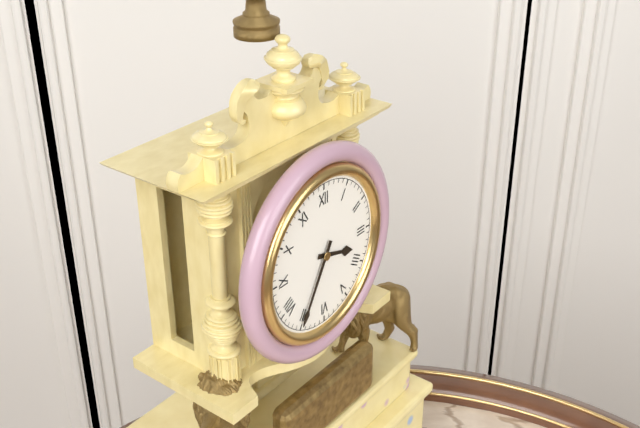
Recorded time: 3:35
